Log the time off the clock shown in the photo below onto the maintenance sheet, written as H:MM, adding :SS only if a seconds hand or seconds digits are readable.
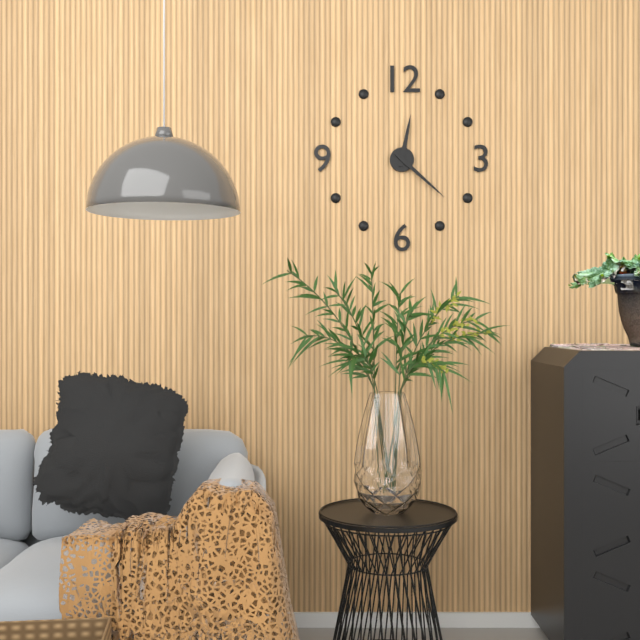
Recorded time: 12:22
